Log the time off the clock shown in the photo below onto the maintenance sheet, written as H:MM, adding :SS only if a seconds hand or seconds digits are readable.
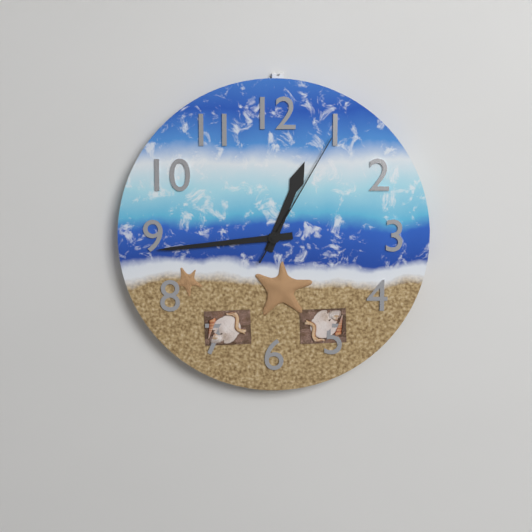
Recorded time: 12:44:05
